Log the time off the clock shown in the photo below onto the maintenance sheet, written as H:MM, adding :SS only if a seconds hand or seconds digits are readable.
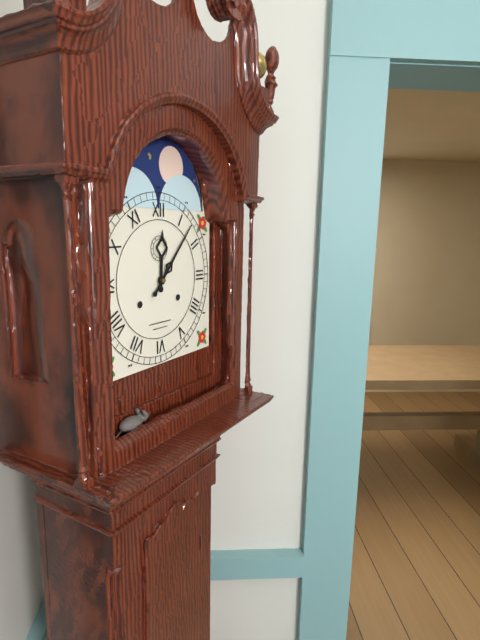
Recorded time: 12:07
